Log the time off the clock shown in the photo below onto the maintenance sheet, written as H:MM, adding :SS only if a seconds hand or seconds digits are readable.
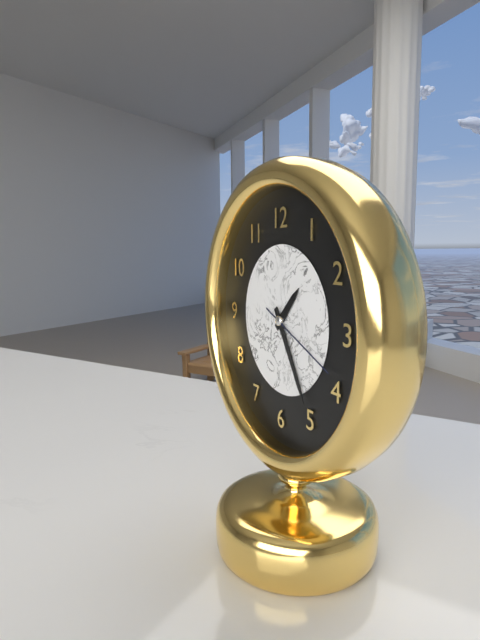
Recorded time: 1:25:19
